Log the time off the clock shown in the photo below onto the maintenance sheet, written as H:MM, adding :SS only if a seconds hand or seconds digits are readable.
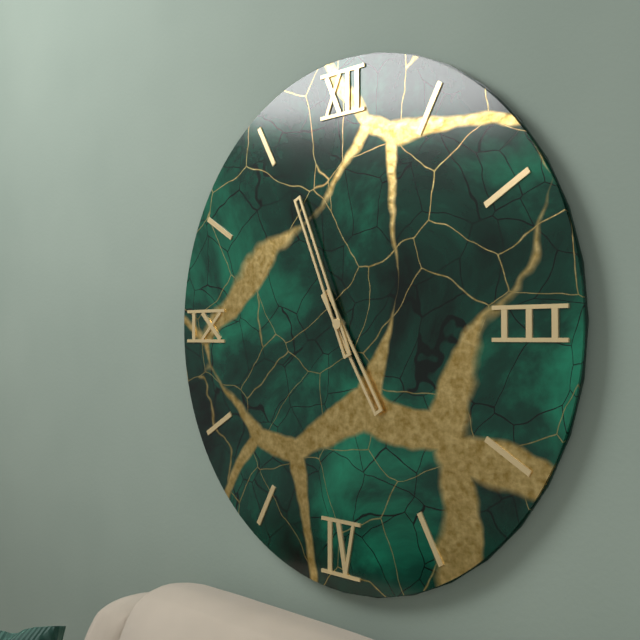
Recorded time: 4:56
